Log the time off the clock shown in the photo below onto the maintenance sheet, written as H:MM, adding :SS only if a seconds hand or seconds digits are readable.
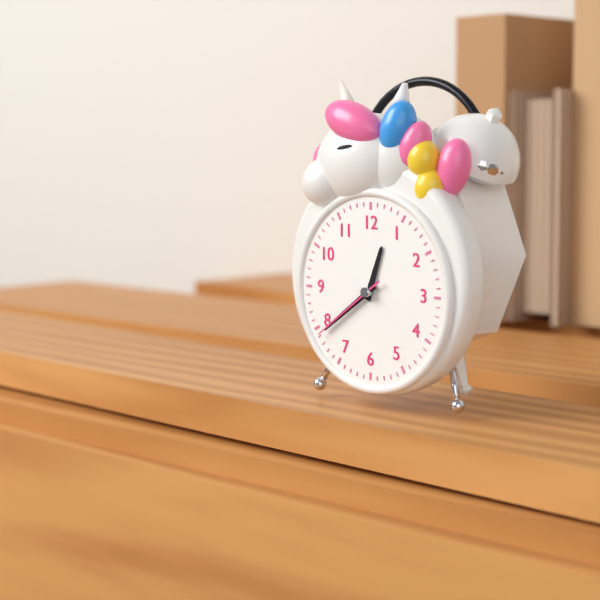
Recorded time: 12:39:39
